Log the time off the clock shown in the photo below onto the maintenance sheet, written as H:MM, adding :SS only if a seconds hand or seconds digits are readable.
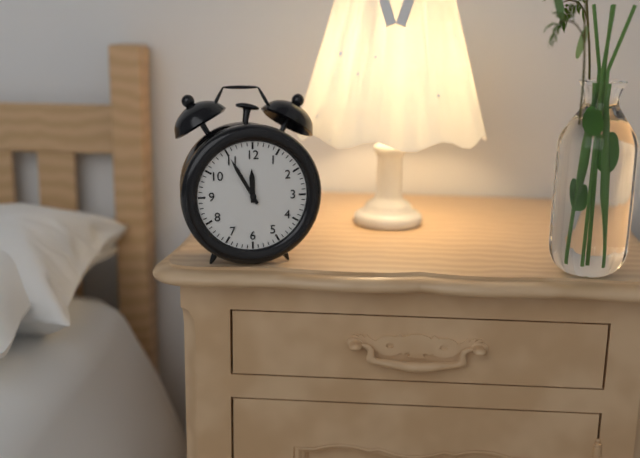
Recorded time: 11:55
